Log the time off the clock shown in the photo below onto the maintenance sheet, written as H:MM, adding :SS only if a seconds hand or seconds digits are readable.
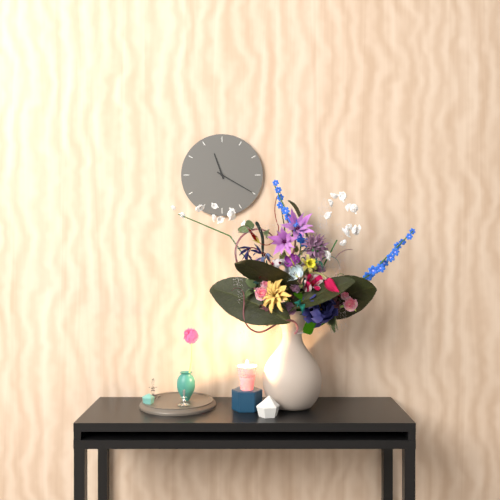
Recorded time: 11:20
